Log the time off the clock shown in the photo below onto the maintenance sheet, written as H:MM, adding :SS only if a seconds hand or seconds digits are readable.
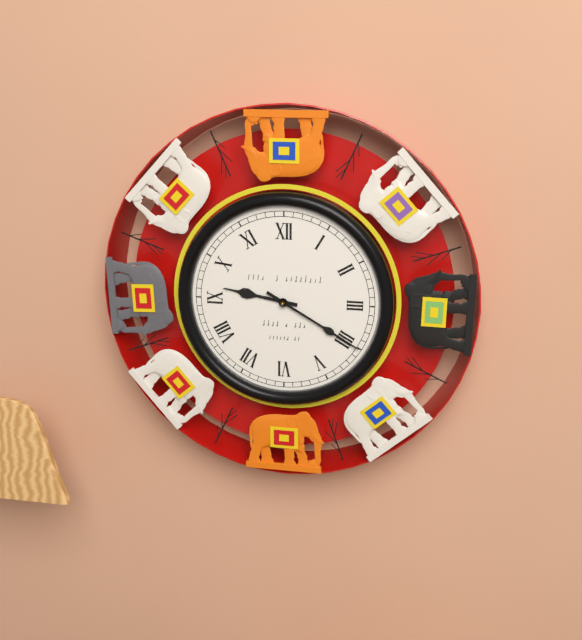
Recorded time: 9:20
